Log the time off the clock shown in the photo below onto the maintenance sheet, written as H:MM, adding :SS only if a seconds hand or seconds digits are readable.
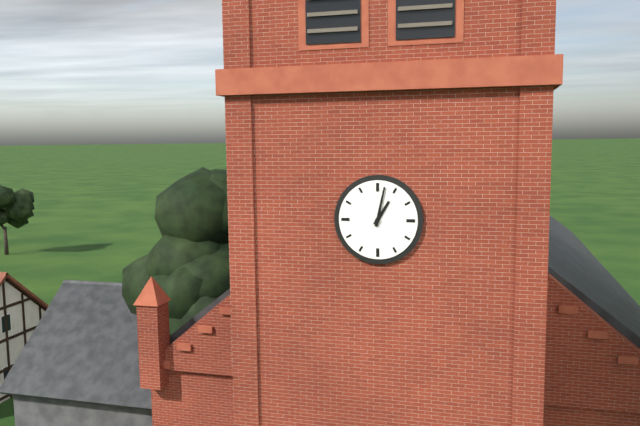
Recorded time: 1:02
